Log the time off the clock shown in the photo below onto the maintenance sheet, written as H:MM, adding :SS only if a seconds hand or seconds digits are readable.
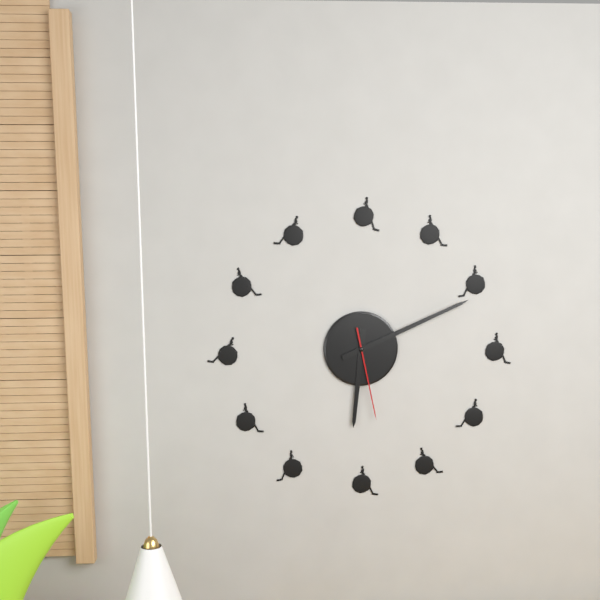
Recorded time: 6:11:28
